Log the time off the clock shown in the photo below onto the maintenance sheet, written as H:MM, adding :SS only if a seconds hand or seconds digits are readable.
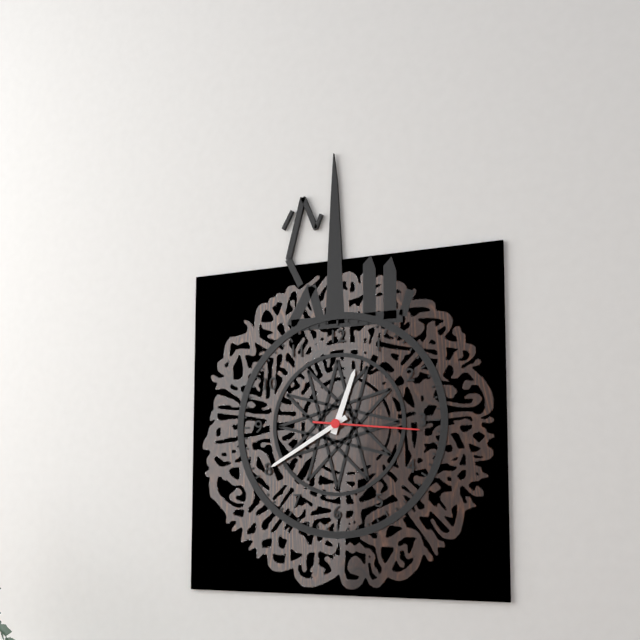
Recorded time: 12:40:16
